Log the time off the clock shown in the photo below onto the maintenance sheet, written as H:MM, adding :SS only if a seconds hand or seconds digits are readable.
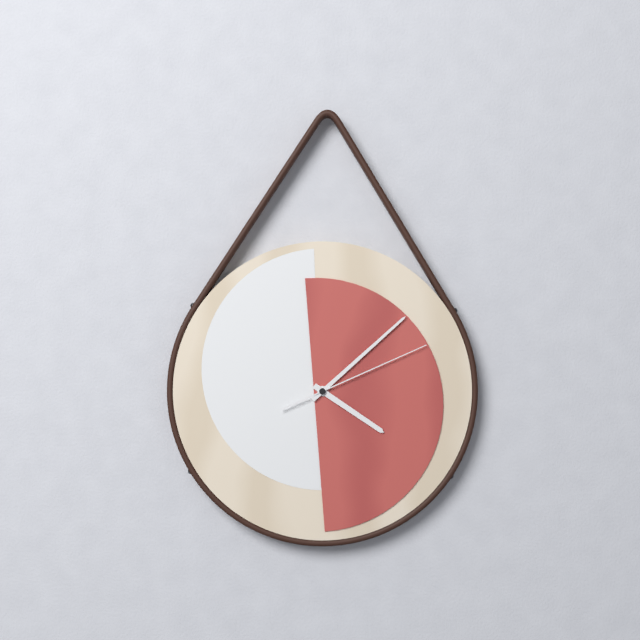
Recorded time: 4:08:11
